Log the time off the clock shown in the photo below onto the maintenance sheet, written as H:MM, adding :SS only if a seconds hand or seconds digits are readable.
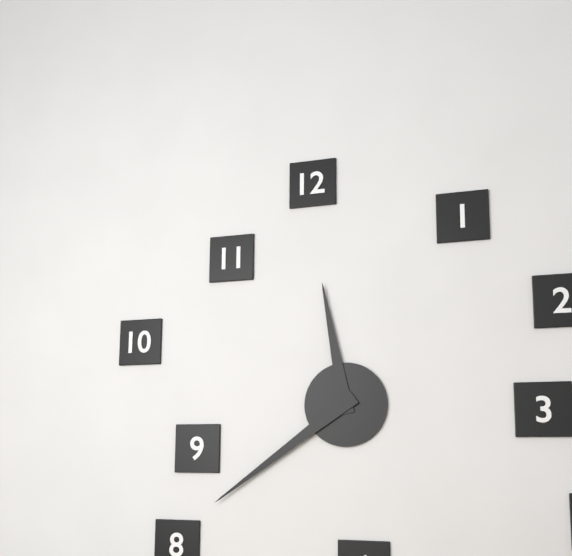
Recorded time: 11:39
